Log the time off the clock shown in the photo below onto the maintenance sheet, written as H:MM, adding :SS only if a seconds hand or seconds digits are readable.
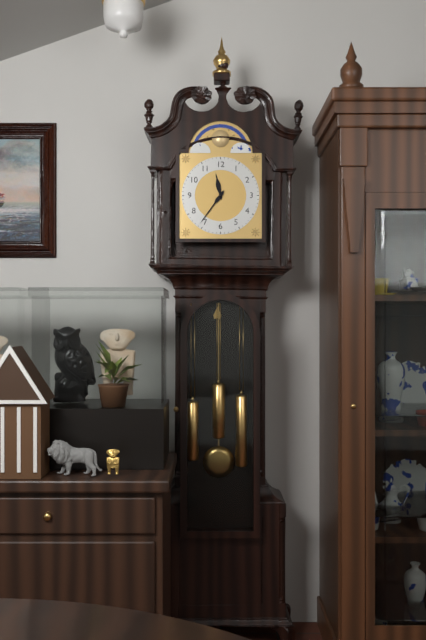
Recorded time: 11:36
